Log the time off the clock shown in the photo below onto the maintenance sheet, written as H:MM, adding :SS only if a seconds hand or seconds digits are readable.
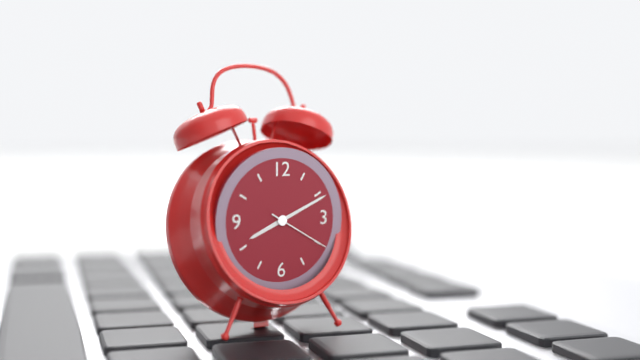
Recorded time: 8:11:20
